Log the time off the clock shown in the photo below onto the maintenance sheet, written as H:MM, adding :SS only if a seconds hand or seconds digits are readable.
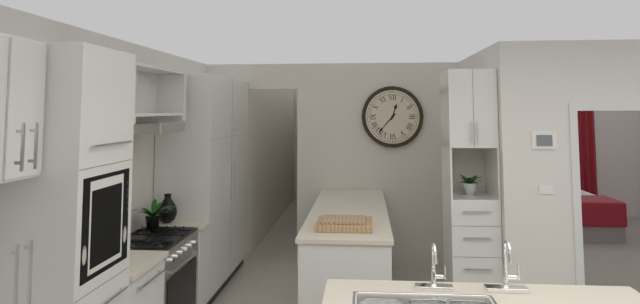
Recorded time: 12:37
